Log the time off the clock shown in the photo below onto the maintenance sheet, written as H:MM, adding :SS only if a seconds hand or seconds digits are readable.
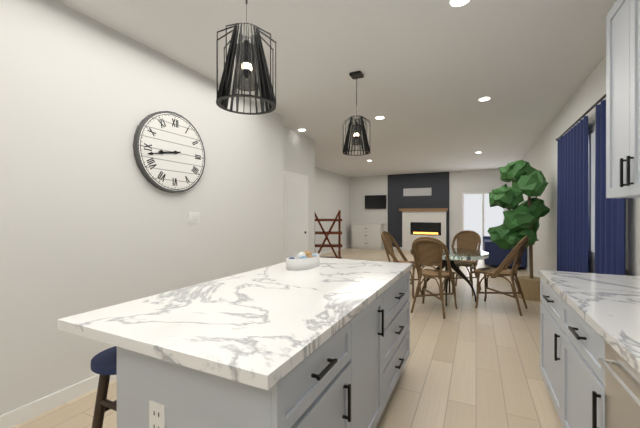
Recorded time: 8:43
